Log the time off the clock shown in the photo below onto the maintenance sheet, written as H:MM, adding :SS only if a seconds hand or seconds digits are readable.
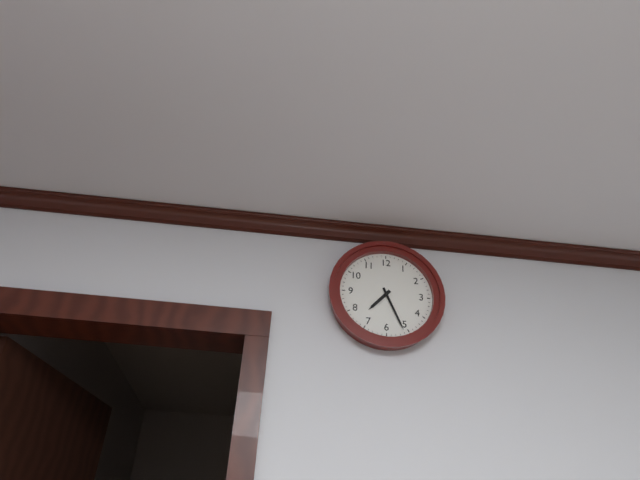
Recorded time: 7:26
